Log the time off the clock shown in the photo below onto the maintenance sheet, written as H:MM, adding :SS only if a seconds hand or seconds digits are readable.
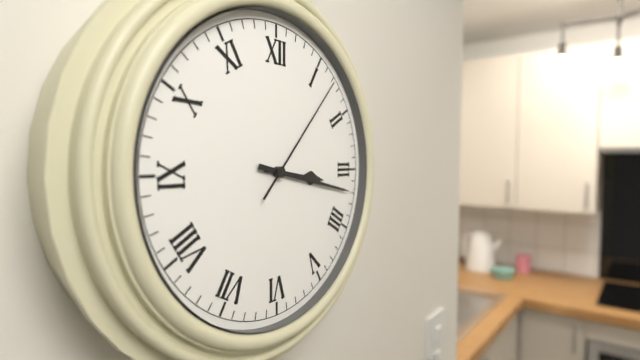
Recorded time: 3:17:07
